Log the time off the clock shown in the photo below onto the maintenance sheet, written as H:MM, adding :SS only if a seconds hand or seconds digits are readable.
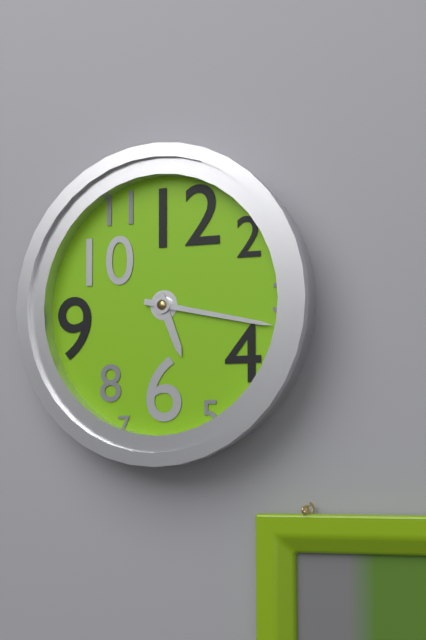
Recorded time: 5:17
